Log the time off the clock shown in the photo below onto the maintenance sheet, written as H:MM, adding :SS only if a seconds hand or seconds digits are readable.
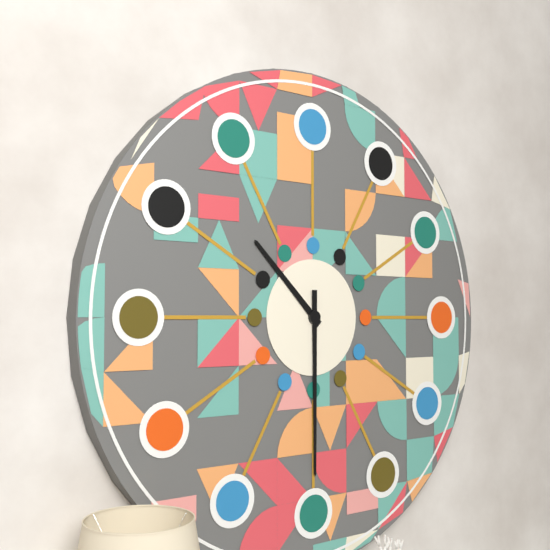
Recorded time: 10:30
